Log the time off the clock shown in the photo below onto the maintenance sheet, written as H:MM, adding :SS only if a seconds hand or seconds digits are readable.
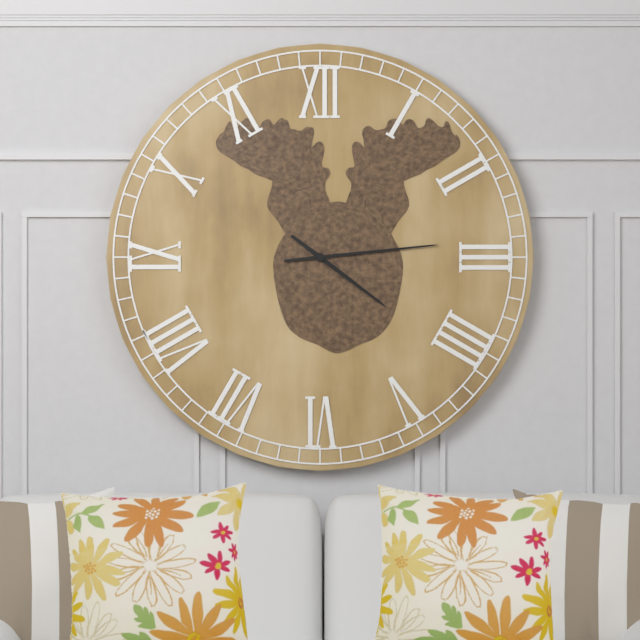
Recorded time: 4:14
